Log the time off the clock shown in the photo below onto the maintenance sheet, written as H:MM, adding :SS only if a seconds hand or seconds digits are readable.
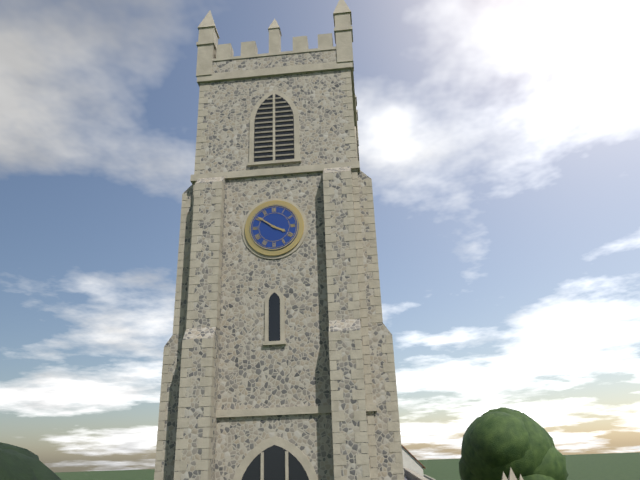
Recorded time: 3:51
